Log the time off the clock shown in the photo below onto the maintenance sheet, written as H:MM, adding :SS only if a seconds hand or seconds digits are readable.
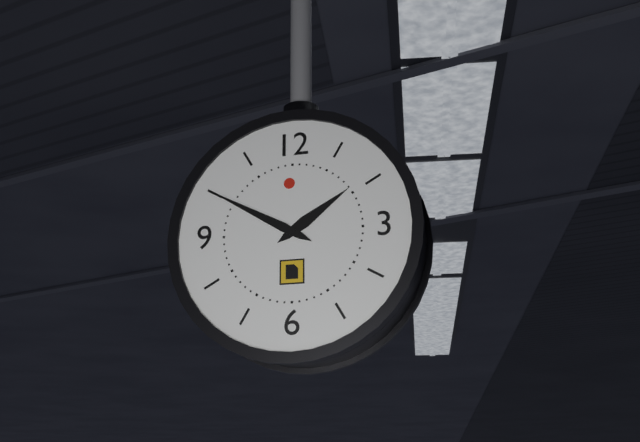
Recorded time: 1:50
